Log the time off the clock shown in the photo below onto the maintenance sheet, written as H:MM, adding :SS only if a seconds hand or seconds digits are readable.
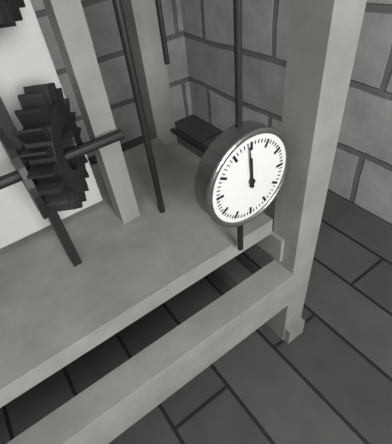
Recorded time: 11:59
